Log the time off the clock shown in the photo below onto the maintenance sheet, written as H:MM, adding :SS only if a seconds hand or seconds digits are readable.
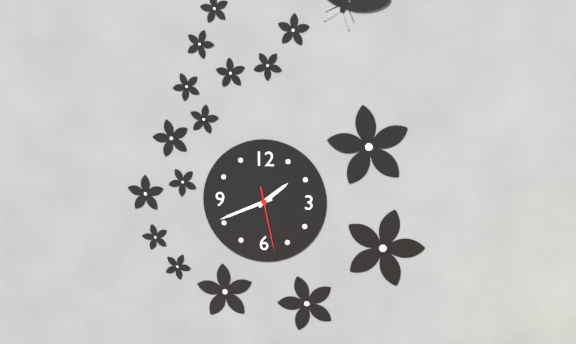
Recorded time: 1:41:28
